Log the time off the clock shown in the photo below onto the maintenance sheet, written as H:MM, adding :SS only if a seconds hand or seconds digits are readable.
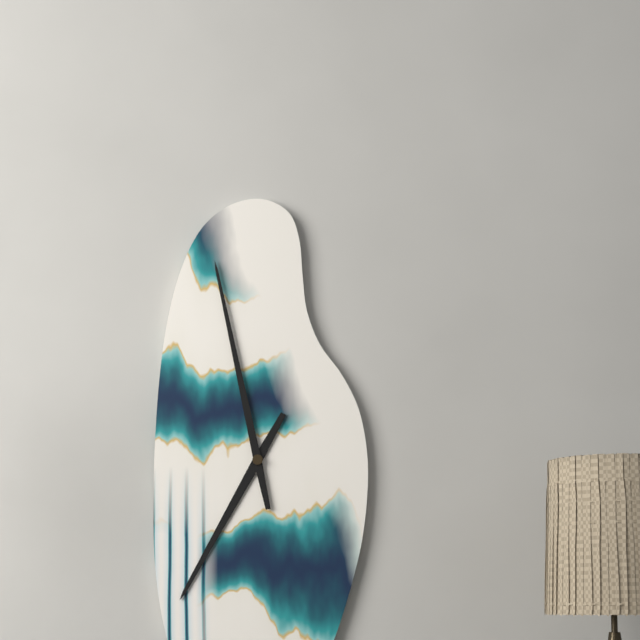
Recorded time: 6:58
